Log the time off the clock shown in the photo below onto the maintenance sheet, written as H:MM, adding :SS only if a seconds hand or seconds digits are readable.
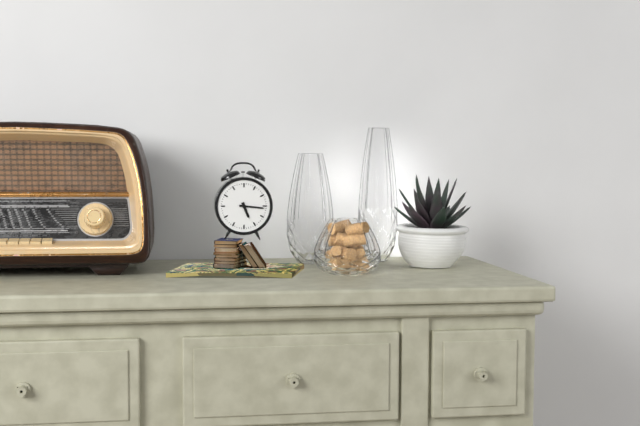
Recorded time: 5:16
